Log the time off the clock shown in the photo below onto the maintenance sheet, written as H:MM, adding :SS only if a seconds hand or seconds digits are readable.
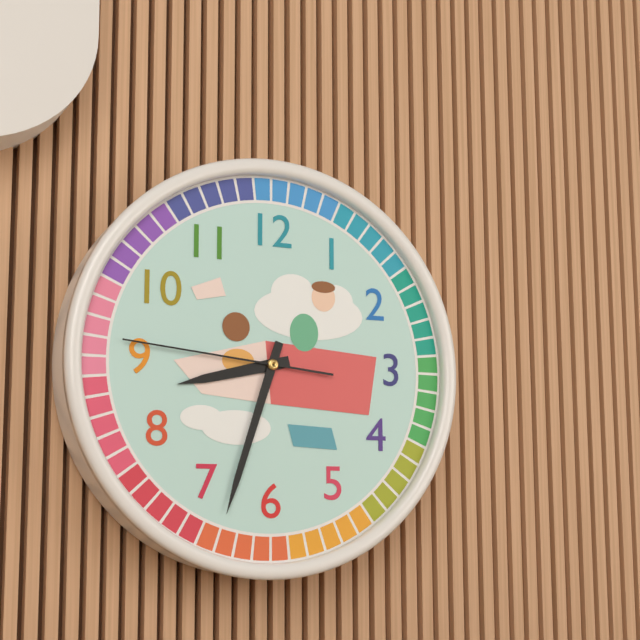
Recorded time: 8:33:46
